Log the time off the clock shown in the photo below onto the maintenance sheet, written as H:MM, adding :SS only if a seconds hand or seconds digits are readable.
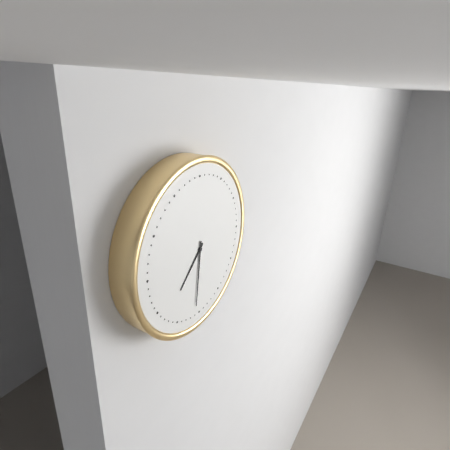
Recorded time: 7:31
